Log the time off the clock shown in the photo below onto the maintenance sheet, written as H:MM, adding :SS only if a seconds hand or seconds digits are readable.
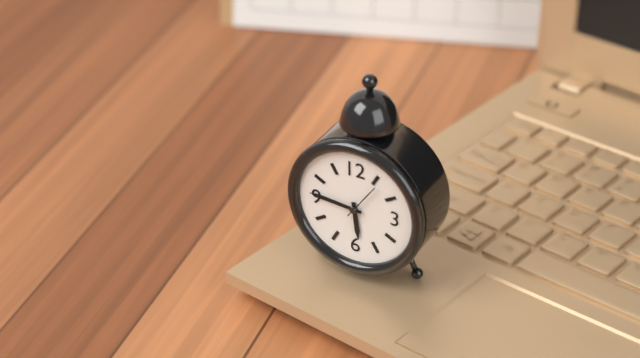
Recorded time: 5:46
